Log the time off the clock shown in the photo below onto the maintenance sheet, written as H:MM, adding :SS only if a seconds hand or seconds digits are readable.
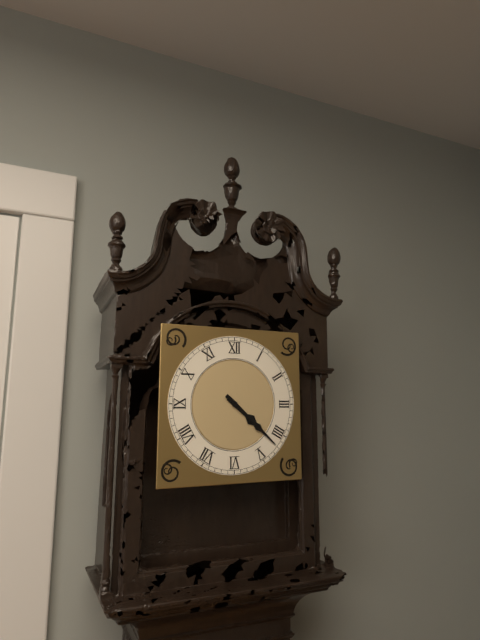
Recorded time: 4:22
